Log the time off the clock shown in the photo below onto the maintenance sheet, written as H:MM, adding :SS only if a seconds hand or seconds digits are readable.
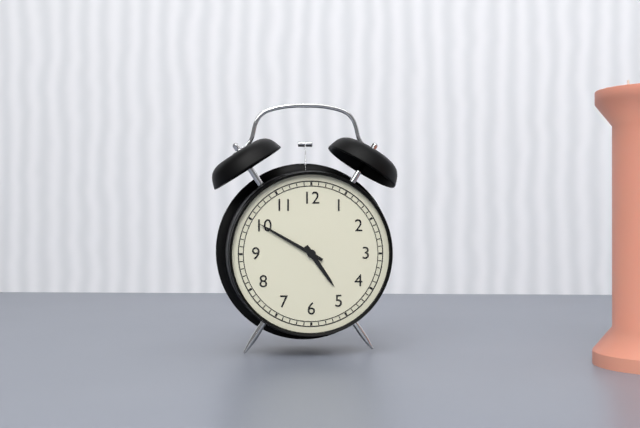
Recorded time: 4:50
